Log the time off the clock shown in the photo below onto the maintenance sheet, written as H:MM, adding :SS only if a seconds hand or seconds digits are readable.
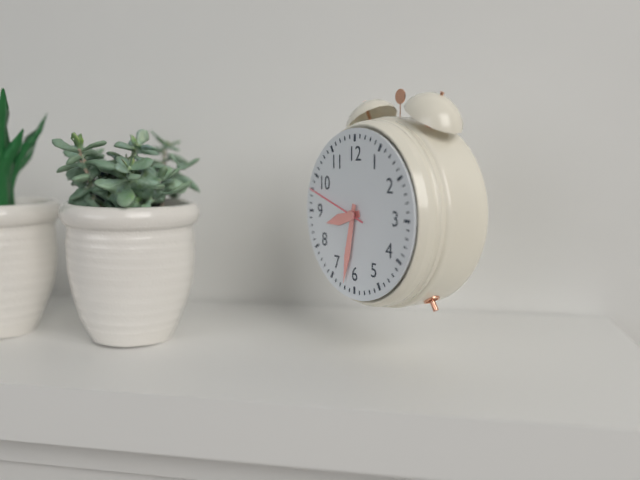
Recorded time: 8:32:48
